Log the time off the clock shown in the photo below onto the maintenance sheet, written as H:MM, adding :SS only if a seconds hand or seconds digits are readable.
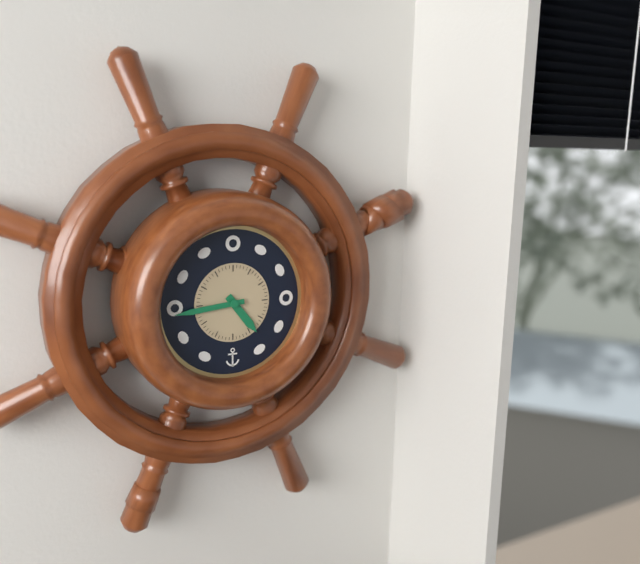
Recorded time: 4:44
